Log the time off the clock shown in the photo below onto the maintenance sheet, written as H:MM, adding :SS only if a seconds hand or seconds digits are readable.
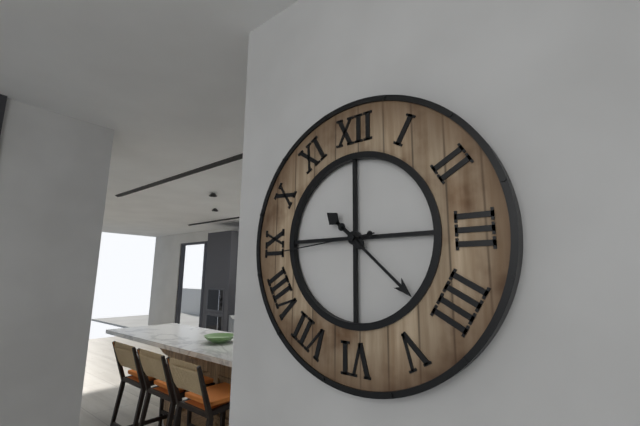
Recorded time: 10:22:44
